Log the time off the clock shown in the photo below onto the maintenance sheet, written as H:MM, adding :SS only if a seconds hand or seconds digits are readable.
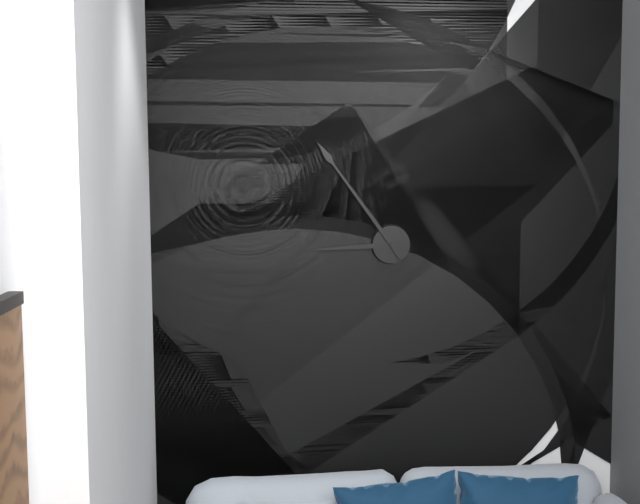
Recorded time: 8:54
